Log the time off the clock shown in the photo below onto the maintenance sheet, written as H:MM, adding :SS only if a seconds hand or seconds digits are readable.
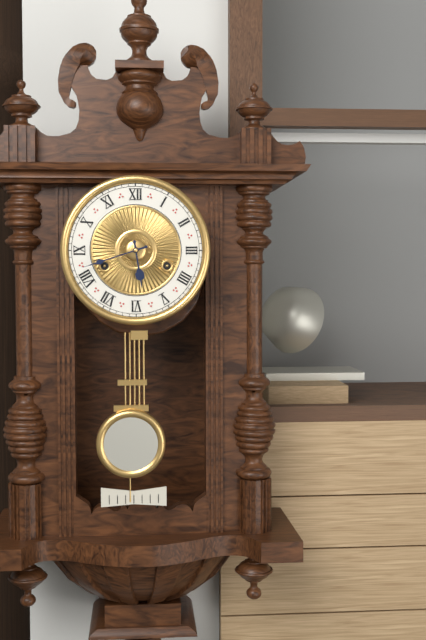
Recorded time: 5:42
